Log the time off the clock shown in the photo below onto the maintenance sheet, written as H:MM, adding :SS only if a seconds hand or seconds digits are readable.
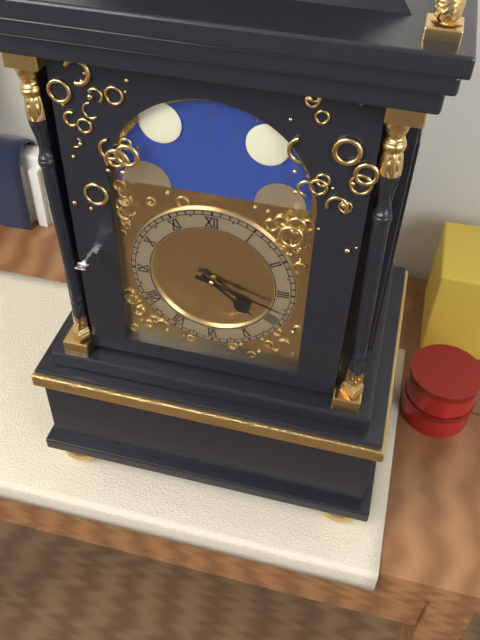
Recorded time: 4:18
